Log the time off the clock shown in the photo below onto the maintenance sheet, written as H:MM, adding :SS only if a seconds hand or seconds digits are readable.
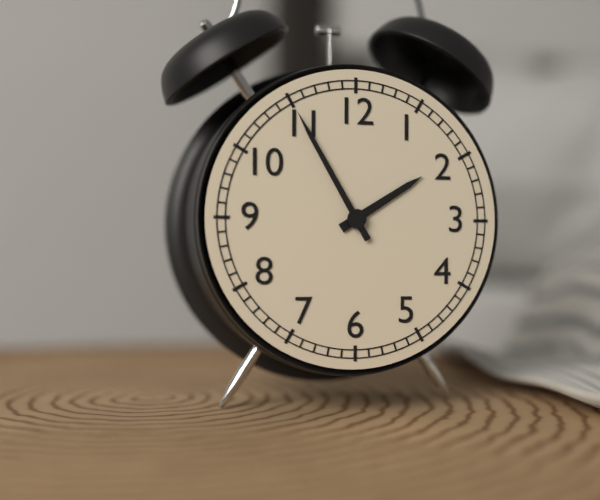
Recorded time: 1:55
